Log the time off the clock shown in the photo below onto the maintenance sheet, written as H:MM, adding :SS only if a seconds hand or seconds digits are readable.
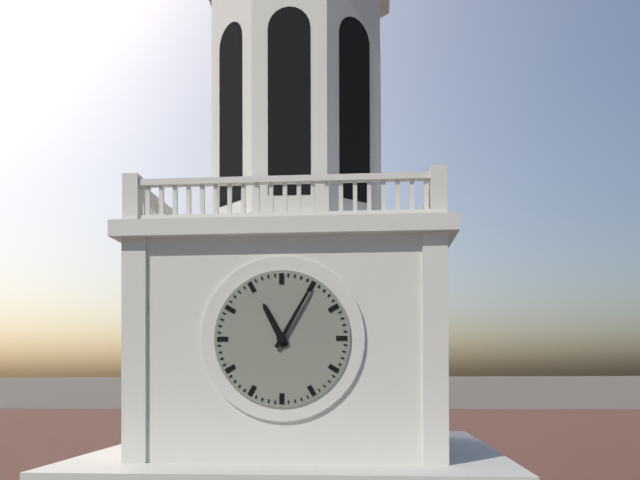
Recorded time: 11:05
